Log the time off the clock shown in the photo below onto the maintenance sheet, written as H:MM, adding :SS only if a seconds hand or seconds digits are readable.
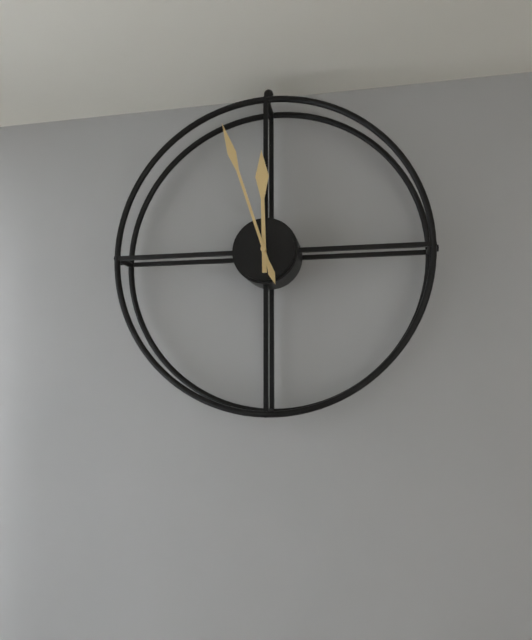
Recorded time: 11:57
